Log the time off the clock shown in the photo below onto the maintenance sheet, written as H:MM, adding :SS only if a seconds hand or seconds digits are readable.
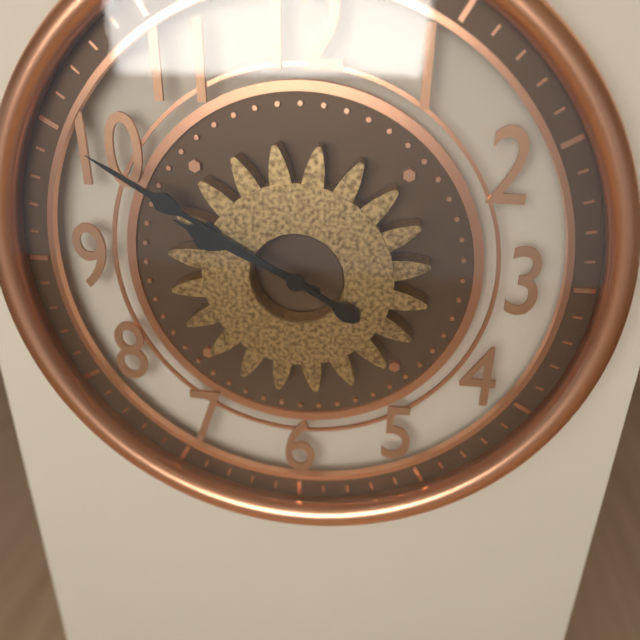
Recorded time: 9:50
